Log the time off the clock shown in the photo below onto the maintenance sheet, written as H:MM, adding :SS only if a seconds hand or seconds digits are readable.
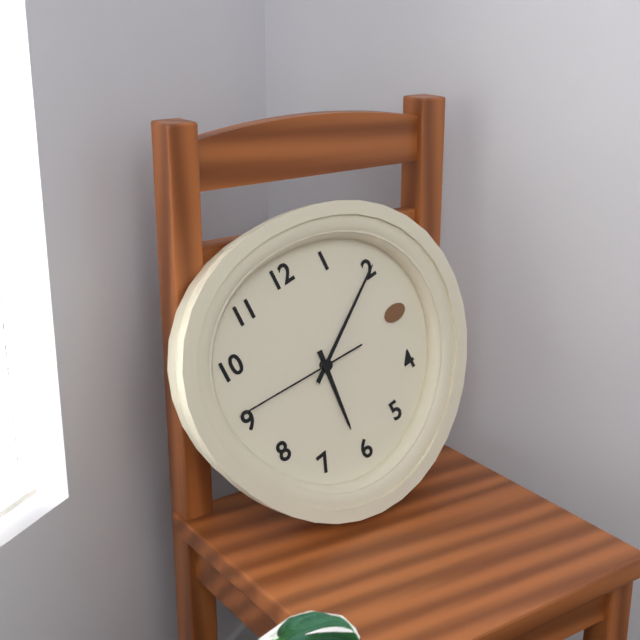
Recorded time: 6:10:46
